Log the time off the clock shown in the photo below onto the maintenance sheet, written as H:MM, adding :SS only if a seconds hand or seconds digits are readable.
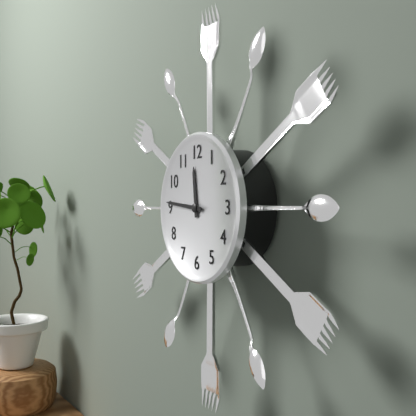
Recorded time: 11:46
